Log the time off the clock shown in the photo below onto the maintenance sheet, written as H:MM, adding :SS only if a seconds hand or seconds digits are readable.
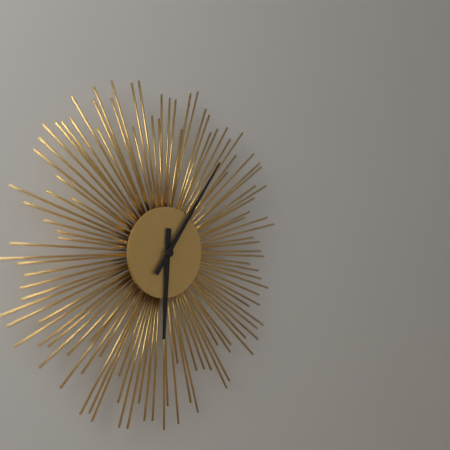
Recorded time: 6:06
